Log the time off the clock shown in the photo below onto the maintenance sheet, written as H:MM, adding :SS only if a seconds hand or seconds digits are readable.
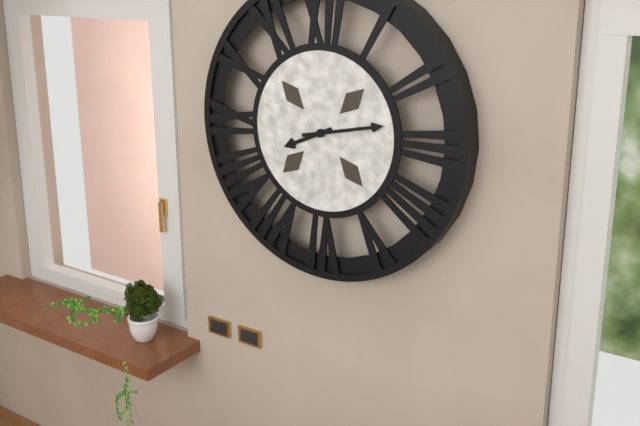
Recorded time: 8:13
